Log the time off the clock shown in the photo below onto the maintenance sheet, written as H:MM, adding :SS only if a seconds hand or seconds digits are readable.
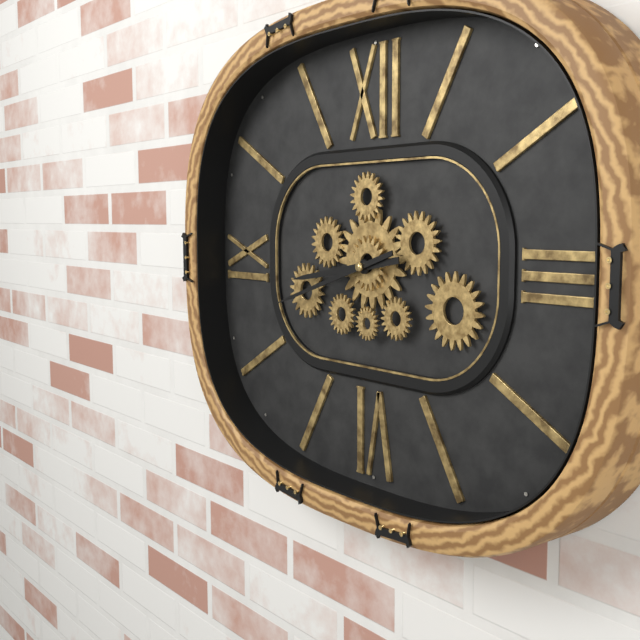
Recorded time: 8:42
